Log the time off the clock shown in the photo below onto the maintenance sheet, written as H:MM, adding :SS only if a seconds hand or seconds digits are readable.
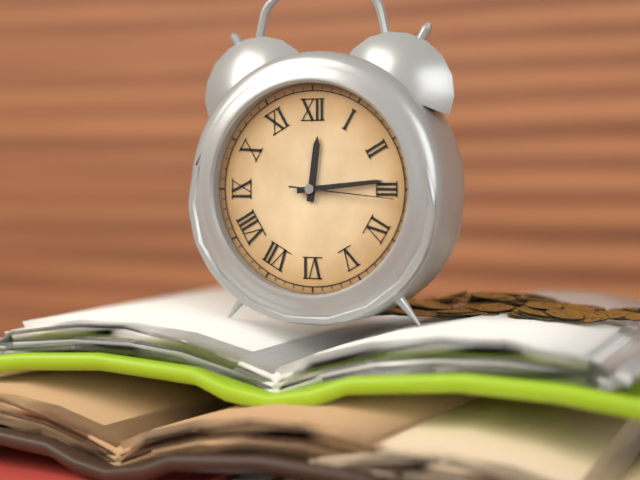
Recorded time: 12:14:16
